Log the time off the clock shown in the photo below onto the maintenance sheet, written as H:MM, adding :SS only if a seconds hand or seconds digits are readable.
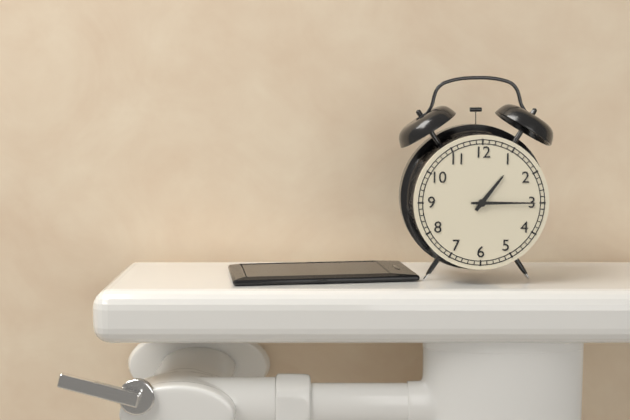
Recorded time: 1:15
